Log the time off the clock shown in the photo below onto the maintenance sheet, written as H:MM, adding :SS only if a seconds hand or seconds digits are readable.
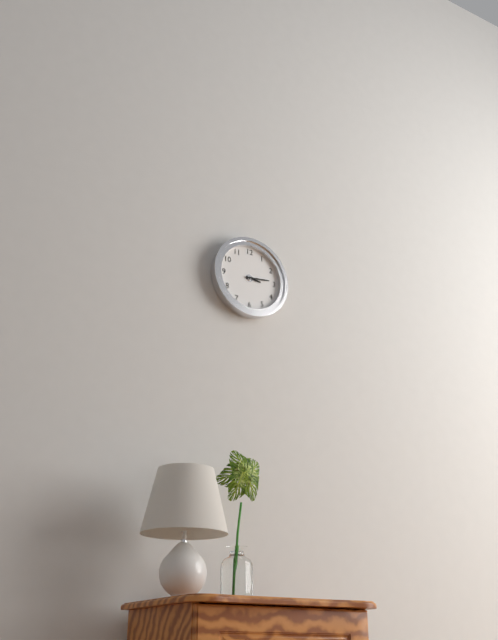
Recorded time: 3:14
